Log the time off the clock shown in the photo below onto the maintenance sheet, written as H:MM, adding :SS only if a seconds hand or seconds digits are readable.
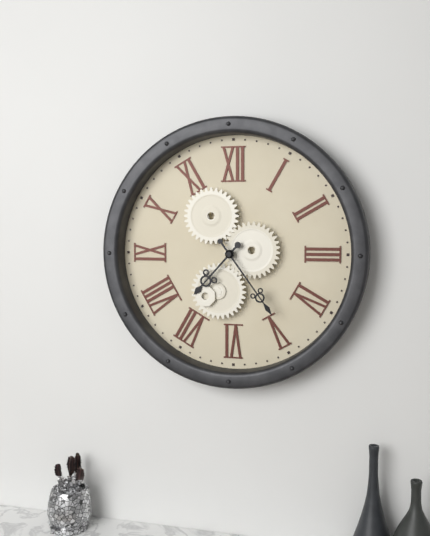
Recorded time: 7:24
